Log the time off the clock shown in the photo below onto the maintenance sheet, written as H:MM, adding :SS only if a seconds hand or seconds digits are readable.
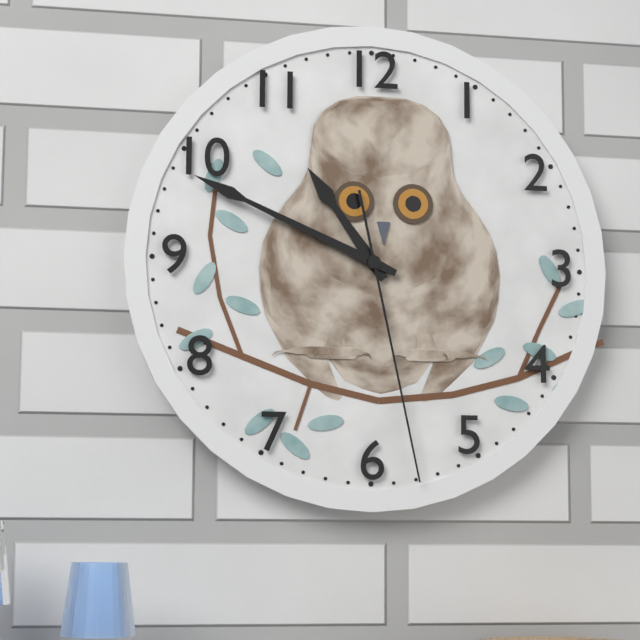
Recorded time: 10:49:28
